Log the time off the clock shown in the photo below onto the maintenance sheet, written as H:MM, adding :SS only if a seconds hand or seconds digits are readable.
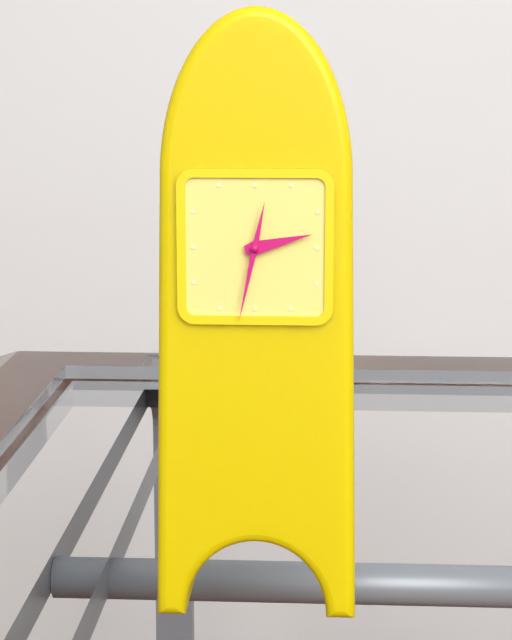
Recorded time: 2:32
